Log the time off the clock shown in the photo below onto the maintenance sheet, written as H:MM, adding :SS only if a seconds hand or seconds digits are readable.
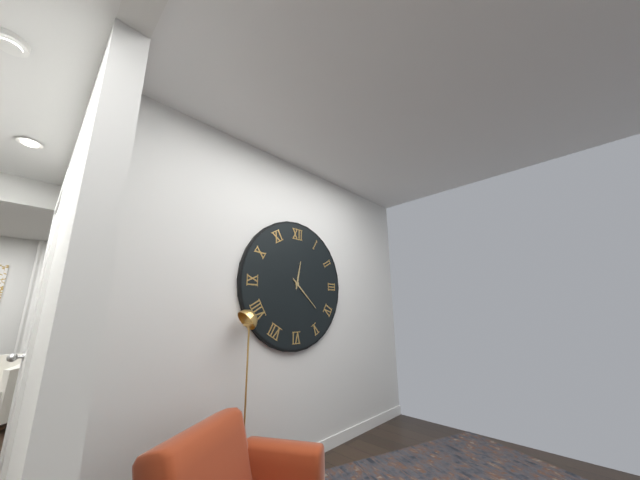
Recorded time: 12:22
